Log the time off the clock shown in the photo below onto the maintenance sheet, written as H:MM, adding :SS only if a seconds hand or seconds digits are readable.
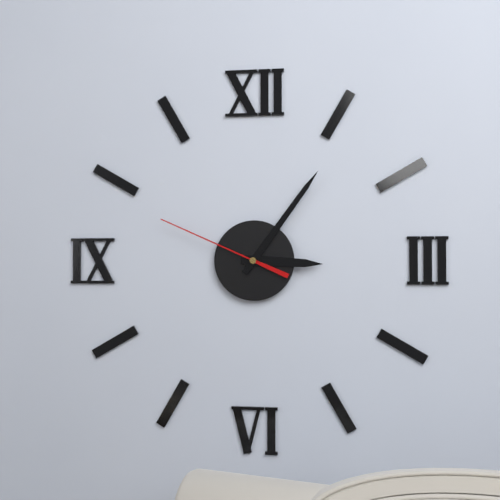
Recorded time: 3:06:49
